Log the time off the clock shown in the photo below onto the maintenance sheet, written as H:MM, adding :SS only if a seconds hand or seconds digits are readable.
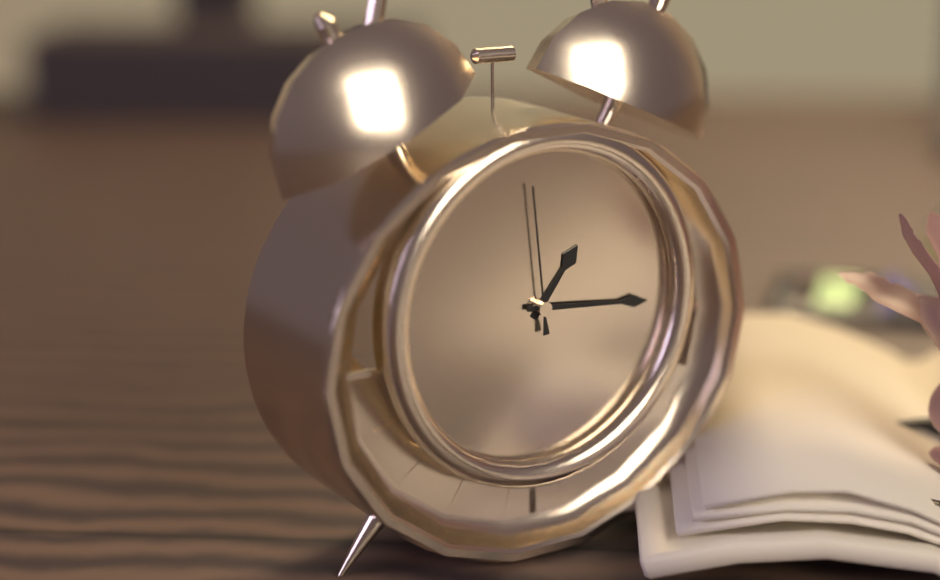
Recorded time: 1:16:59
